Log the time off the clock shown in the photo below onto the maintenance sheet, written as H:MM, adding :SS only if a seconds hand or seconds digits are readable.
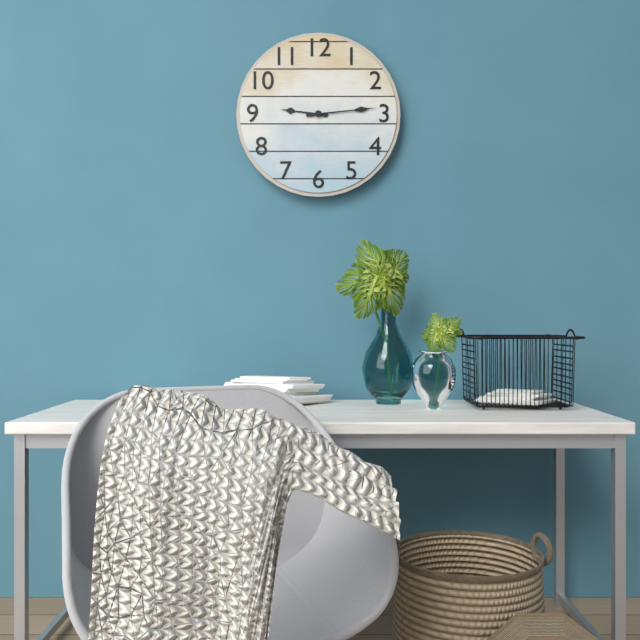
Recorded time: 9:14
